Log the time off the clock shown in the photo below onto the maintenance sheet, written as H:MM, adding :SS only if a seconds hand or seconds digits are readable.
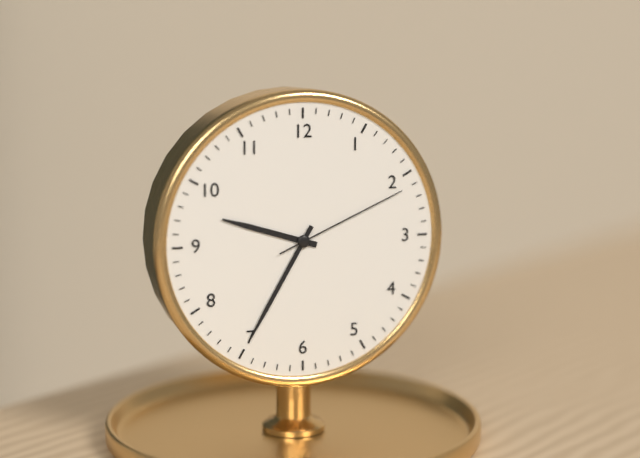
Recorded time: 9:35:11
